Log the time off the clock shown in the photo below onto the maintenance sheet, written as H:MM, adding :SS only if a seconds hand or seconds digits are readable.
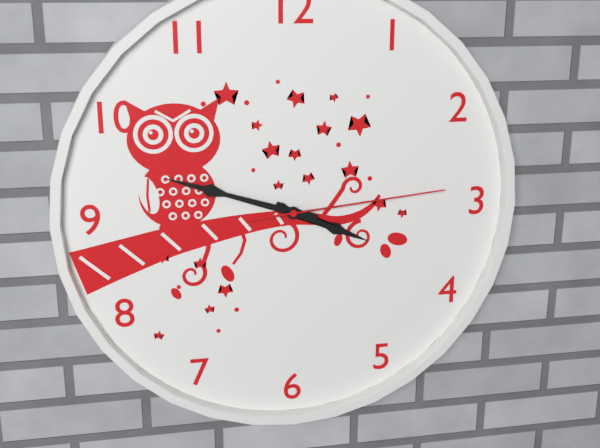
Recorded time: 3:48:14
